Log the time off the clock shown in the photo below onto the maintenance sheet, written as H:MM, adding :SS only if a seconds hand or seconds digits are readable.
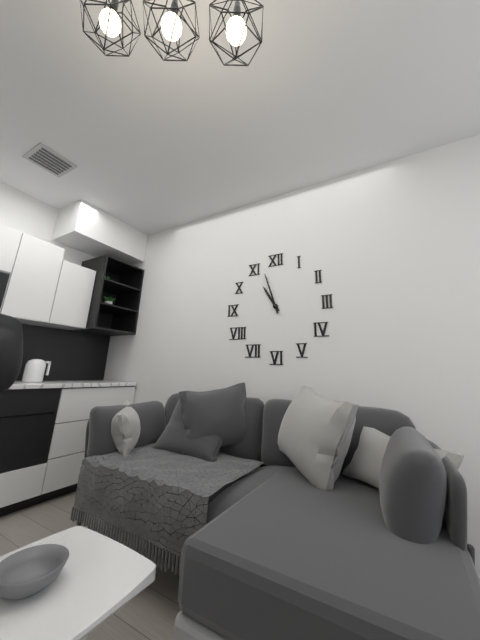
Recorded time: 10:57
